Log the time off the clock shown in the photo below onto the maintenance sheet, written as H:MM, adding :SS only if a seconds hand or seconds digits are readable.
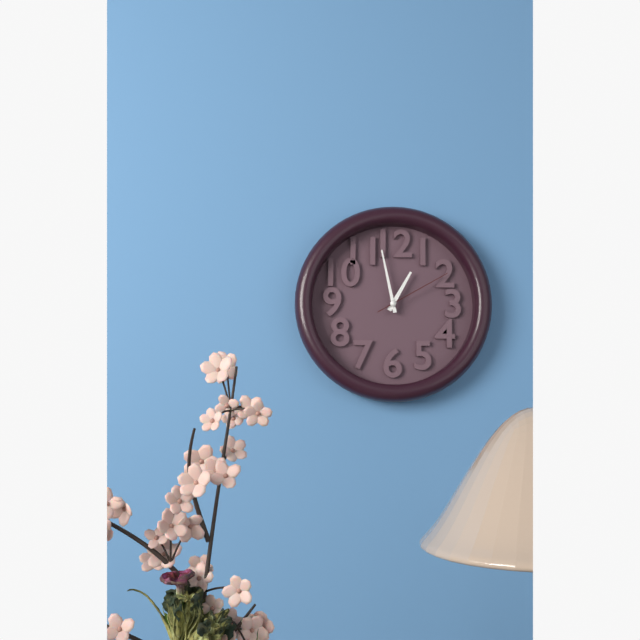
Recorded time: 12:58:10
